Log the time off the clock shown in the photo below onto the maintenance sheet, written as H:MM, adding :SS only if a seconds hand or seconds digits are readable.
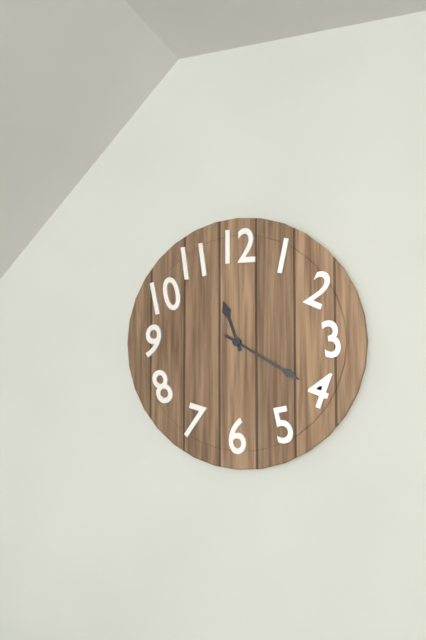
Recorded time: 11:20
